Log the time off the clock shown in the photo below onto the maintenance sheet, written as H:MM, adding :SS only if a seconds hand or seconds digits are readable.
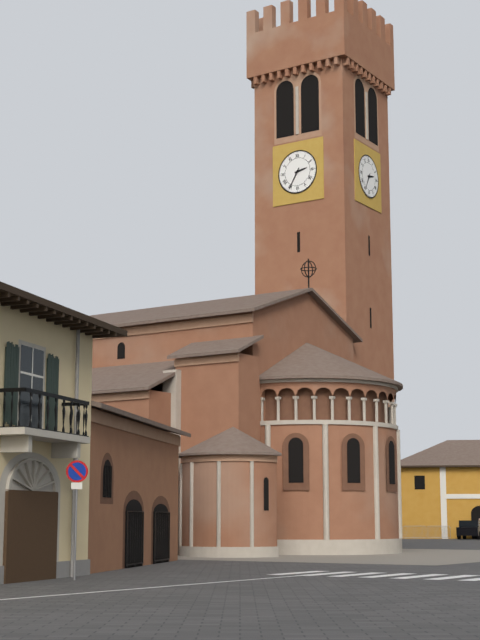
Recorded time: 2:35
